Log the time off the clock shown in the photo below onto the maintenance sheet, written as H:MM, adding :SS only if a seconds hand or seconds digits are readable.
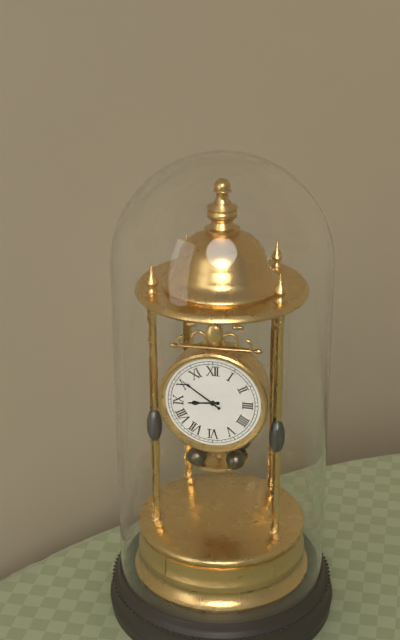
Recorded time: 8:51
